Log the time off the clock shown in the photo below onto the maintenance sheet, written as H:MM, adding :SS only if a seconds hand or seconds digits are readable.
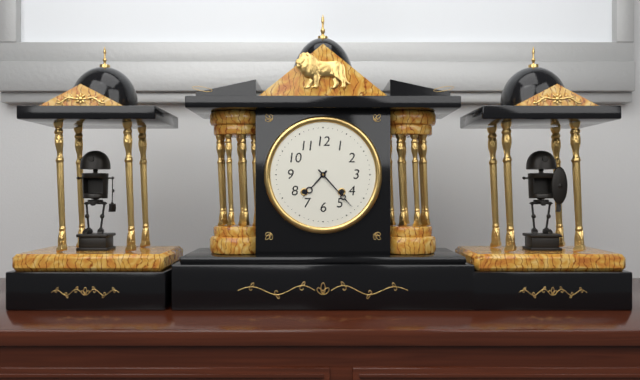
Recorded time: 7:23
